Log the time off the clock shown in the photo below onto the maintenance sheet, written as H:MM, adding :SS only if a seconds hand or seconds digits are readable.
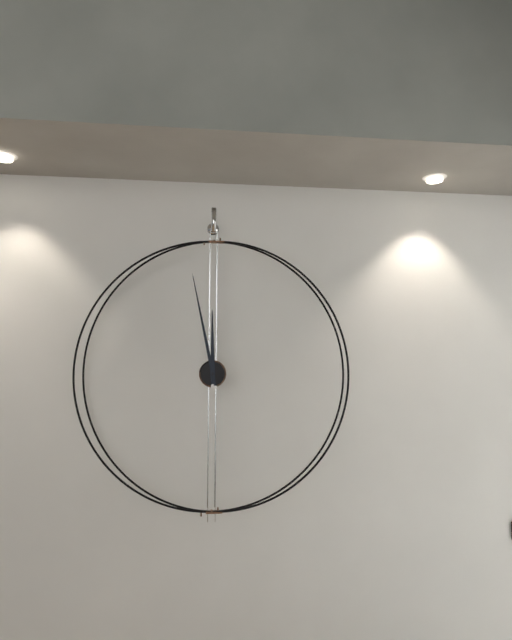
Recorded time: 11:58
